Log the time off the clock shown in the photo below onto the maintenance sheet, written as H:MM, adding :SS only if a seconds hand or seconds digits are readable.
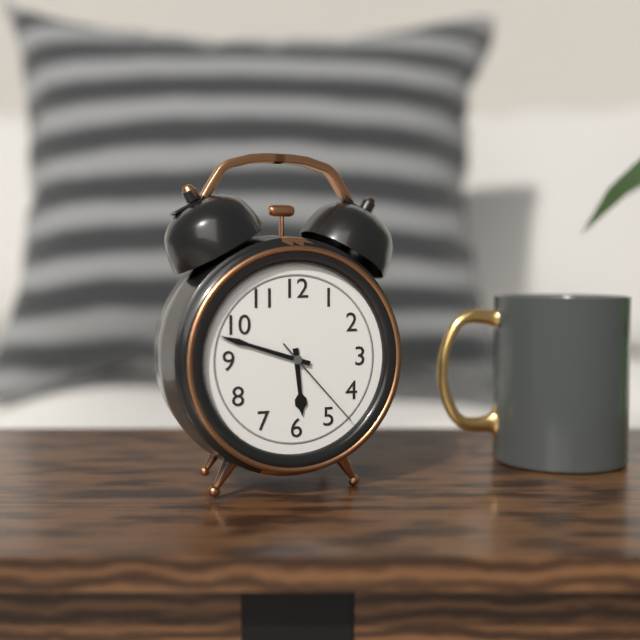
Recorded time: 5:48:23
